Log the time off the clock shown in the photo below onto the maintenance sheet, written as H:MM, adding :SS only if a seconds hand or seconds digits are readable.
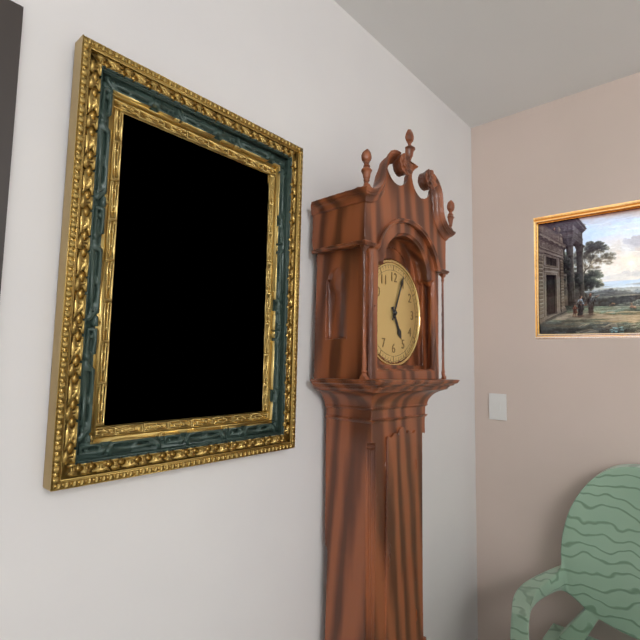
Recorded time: 5:04
